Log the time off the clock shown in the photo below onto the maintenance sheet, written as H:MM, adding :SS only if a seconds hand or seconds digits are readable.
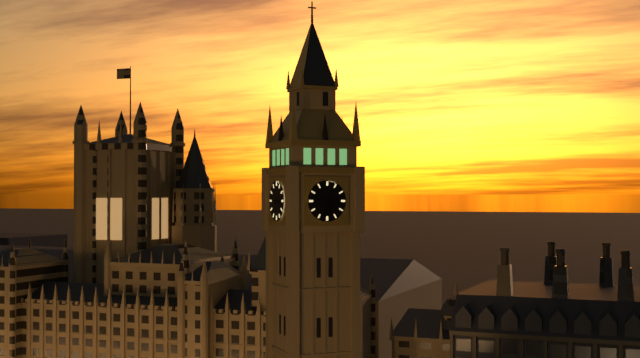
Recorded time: 3:29
